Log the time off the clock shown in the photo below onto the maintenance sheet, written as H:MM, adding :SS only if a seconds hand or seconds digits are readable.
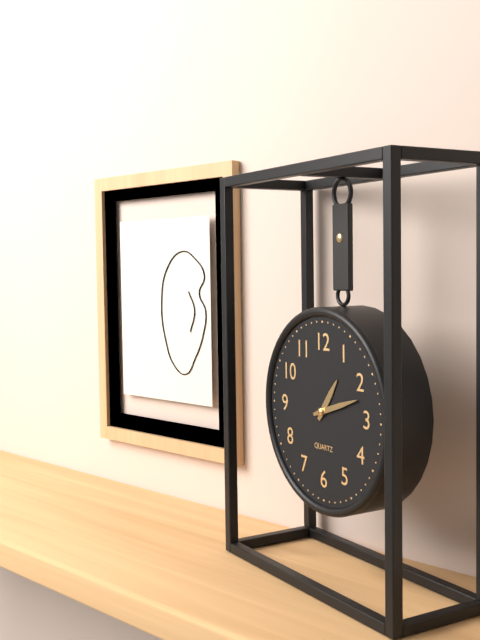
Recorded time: 1:12
